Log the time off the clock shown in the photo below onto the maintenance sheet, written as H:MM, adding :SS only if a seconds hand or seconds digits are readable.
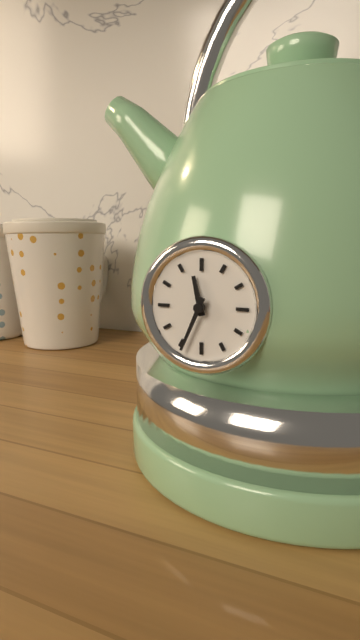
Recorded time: 11:34
